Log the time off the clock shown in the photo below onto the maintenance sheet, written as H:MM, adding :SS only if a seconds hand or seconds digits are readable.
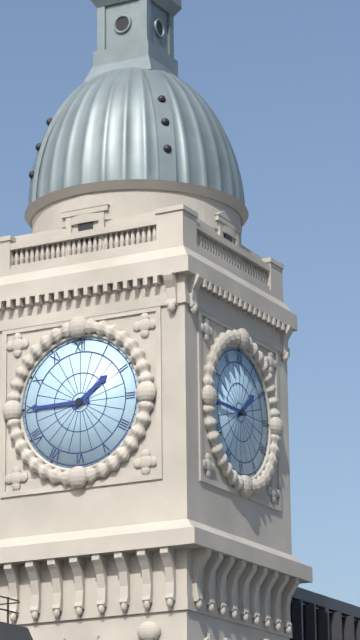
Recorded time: 1:45
